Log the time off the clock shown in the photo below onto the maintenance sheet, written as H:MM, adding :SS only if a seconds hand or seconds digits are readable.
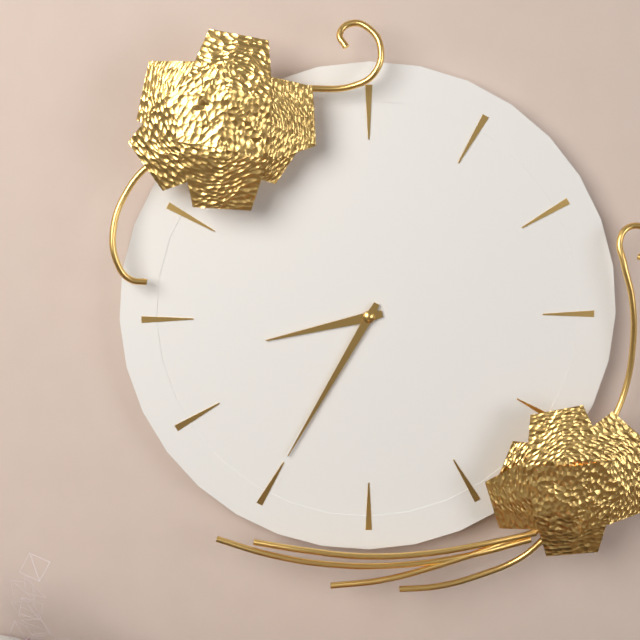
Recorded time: 8:35
